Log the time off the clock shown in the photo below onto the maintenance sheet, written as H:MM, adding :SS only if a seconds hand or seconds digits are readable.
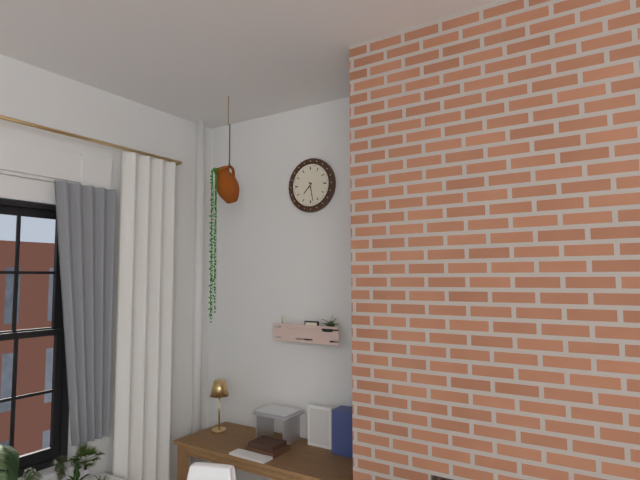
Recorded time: 7:28
